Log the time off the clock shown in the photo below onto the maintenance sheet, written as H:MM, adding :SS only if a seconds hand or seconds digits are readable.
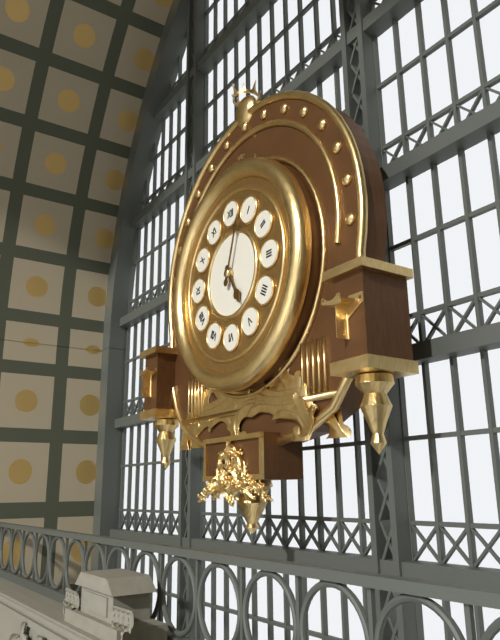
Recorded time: 5:03
